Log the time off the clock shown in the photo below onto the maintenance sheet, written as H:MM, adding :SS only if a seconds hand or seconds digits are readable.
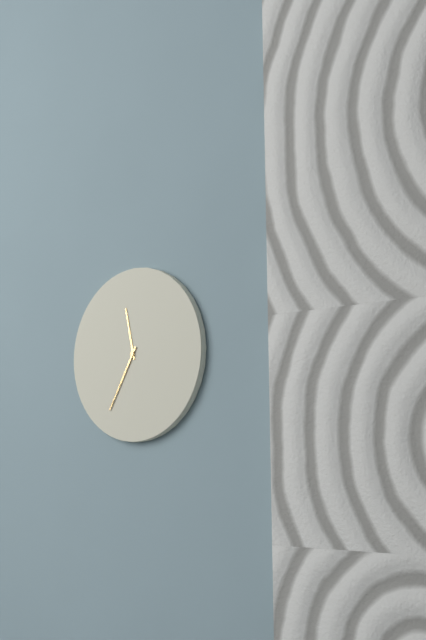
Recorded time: 11:35
